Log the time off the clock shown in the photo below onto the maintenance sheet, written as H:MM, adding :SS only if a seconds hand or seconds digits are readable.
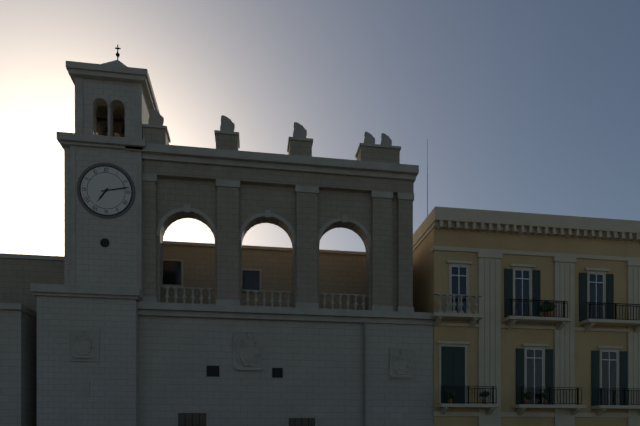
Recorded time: 7:13
